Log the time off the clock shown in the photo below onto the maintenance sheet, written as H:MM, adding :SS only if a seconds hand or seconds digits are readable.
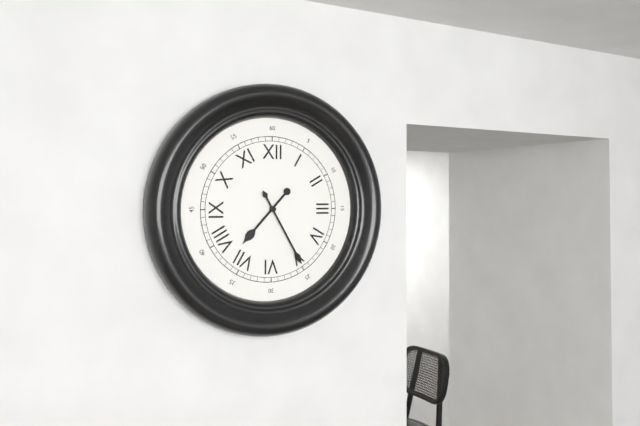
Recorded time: 7:25
